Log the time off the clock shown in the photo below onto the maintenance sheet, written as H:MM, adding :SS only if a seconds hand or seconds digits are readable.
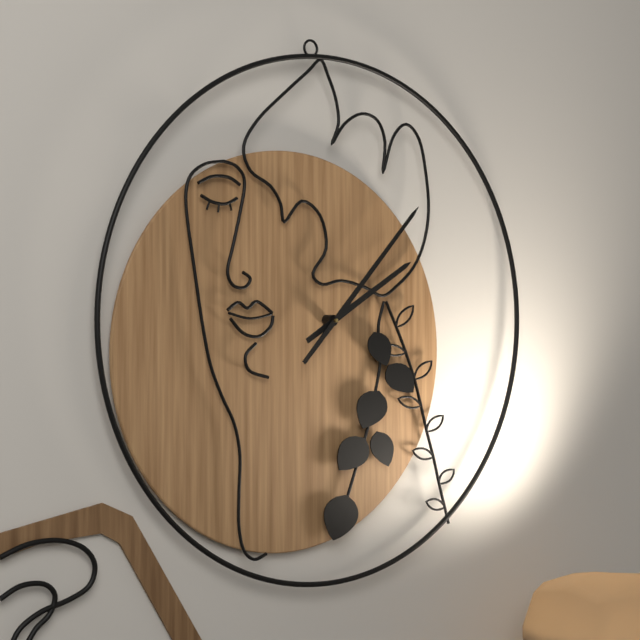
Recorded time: 2:08
